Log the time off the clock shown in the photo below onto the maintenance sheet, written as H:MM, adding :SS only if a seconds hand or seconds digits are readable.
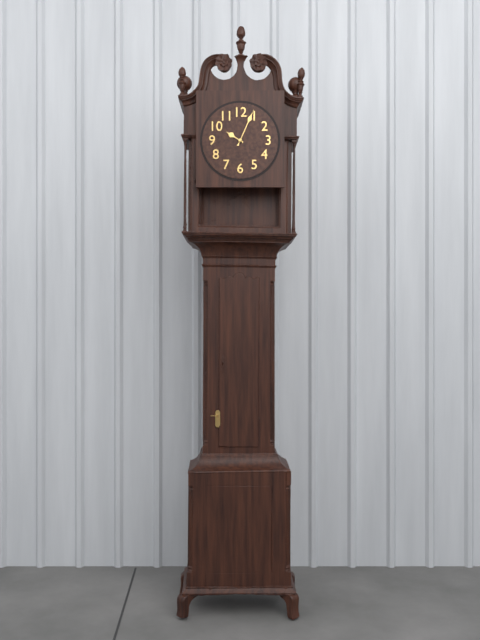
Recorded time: 10:04
